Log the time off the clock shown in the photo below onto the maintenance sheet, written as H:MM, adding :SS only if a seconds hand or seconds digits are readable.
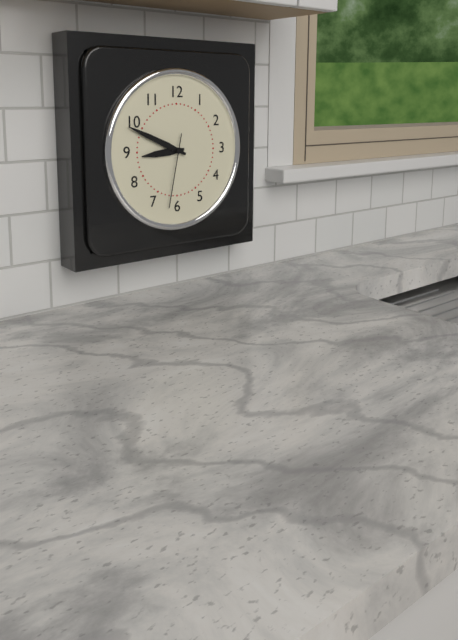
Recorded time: 8:49:32
